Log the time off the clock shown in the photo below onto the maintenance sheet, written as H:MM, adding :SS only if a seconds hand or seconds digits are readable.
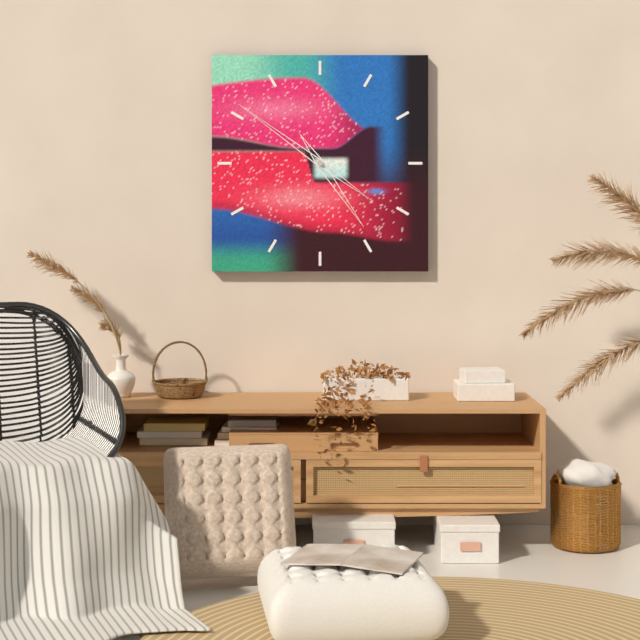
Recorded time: 4:51
